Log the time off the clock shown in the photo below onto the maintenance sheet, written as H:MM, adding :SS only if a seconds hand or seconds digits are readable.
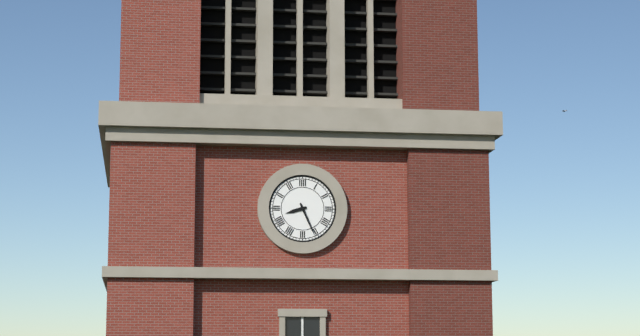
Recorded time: 8:26
